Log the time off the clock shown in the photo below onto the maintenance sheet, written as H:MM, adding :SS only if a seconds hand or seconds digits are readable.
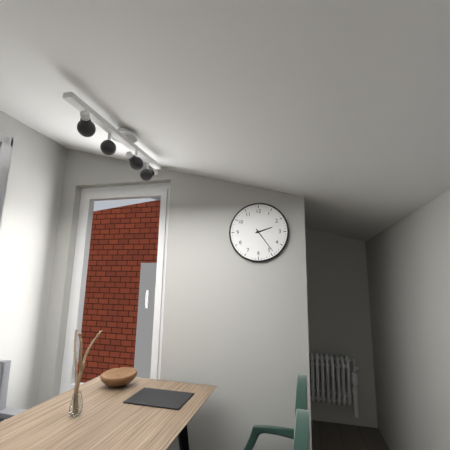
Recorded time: 2:24
